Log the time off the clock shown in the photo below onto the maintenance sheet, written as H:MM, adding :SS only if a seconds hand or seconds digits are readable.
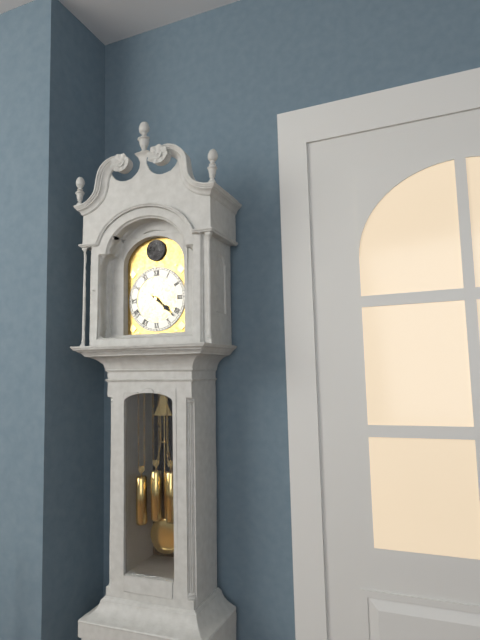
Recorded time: 4:22
